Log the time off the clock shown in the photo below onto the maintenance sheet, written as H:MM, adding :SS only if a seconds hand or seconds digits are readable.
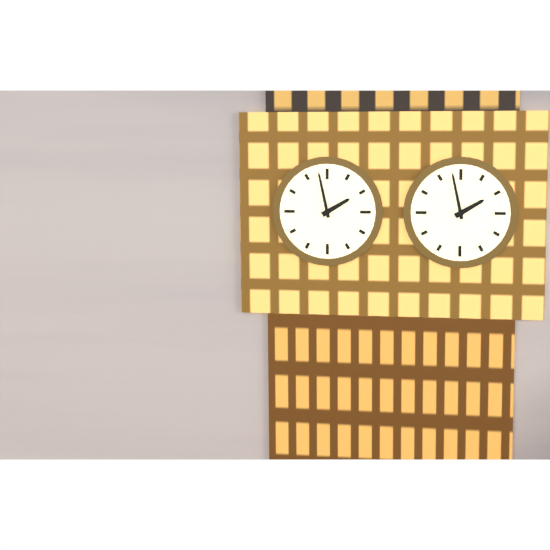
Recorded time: 1:58
